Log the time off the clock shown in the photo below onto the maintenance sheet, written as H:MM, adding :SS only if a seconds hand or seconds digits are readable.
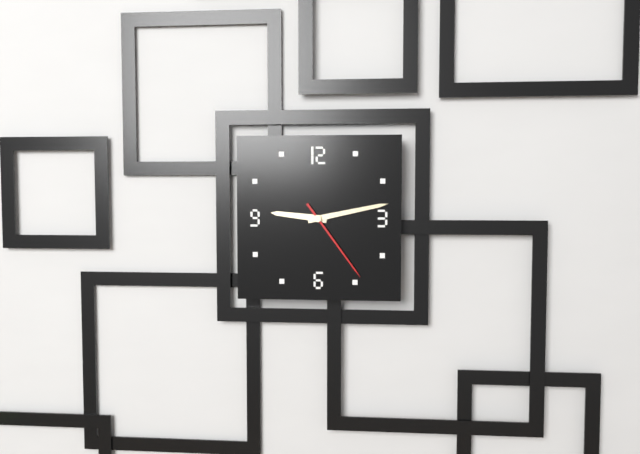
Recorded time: 9:13:24
